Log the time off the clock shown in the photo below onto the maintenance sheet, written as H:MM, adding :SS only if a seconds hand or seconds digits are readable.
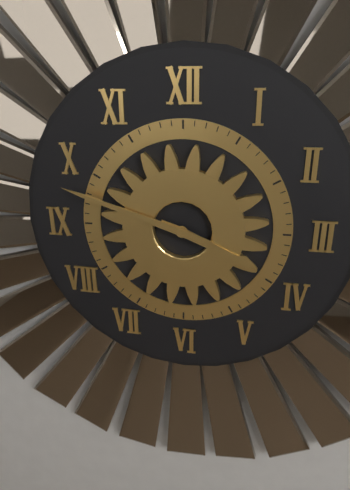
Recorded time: 3:48
